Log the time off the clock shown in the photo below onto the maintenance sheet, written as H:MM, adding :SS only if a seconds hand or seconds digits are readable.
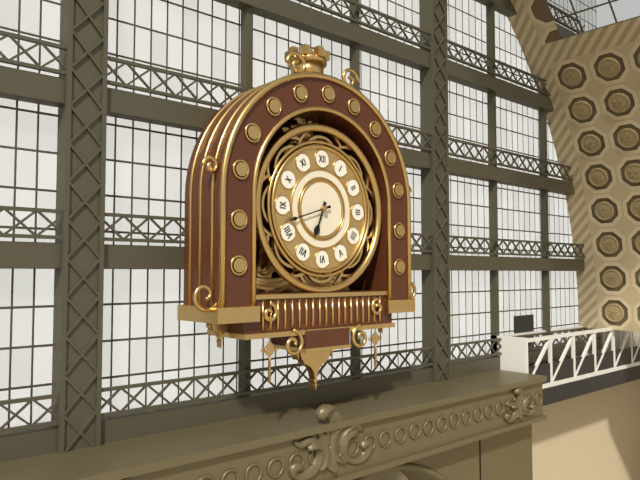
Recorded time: 6:42
